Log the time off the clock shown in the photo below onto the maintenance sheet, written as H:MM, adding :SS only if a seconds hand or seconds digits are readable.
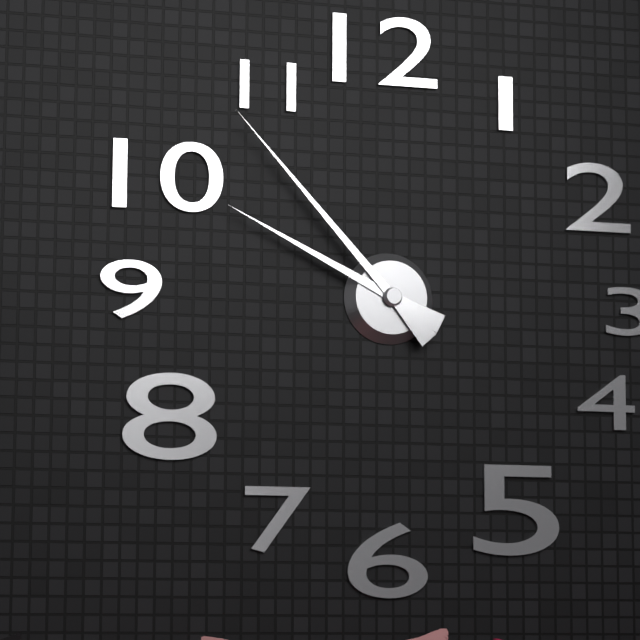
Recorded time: 9:53
